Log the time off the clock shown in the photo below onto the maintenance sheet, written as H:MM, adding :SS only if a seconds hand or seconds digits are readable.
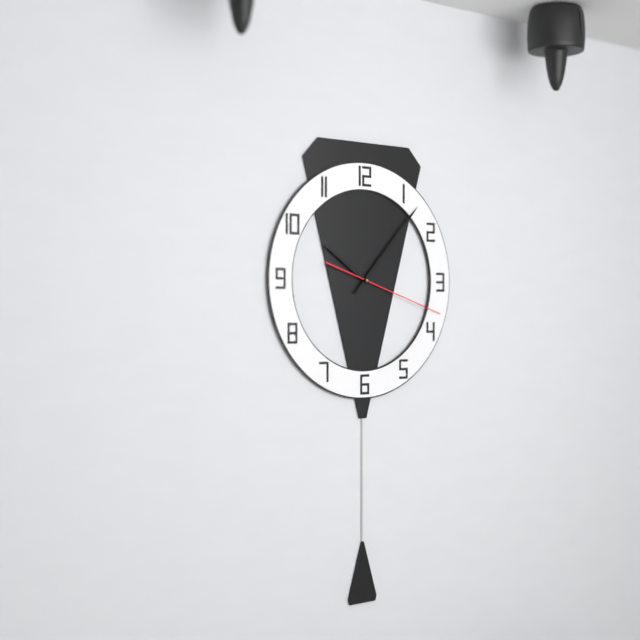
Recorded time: 10:07:18
